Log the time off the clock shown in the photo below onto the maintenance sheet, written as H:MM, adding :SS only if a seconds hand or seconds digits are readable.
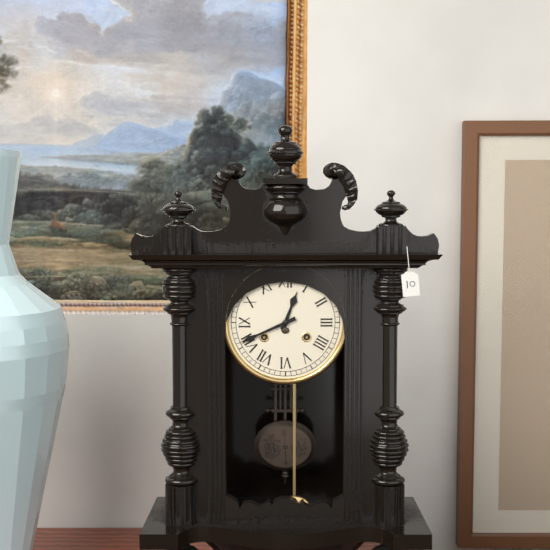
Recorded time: 12:41
